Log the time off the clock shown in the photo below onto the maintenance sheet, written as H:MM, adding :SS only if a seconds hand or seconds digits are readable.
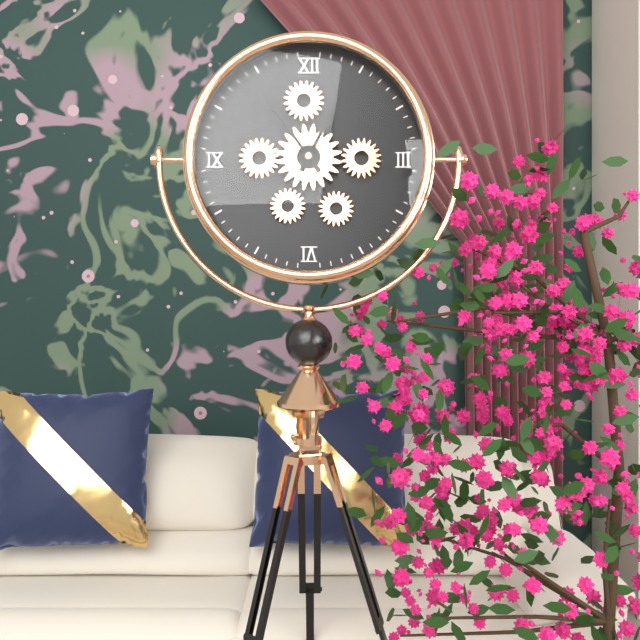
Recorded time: 12:54
